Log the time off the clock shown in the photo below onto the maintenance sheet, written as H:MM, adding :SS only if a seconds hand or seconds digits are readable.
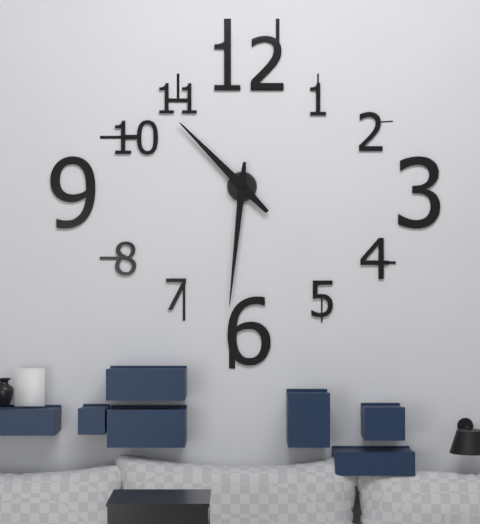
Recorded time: 10:31
